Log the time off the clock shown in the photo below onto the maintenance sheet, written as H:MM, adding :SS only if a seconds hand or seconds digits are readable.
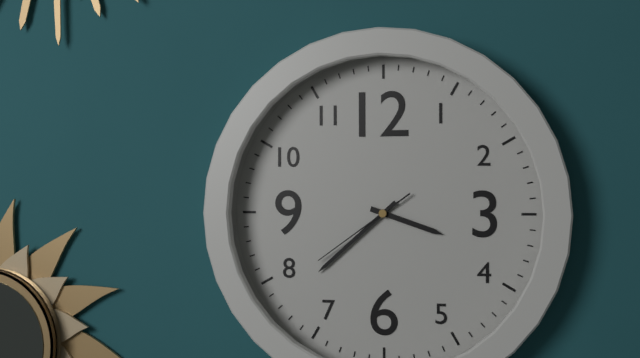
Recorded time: 3:38:39
